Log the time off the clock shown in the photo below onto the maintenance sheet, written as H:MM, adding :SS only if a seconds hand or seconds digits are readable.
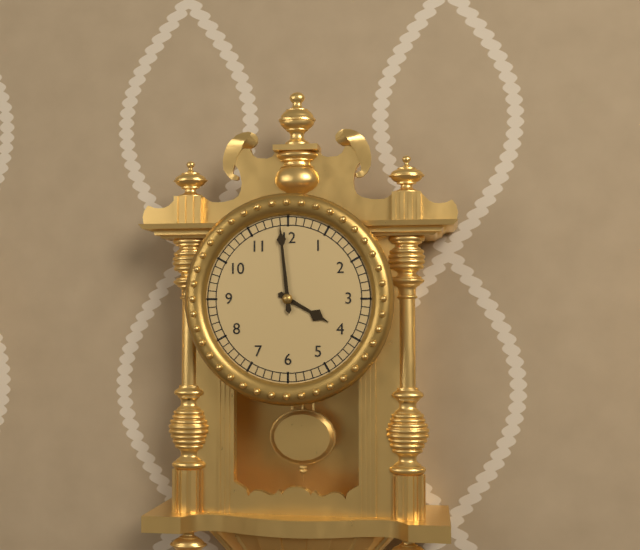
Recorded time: 3:59
